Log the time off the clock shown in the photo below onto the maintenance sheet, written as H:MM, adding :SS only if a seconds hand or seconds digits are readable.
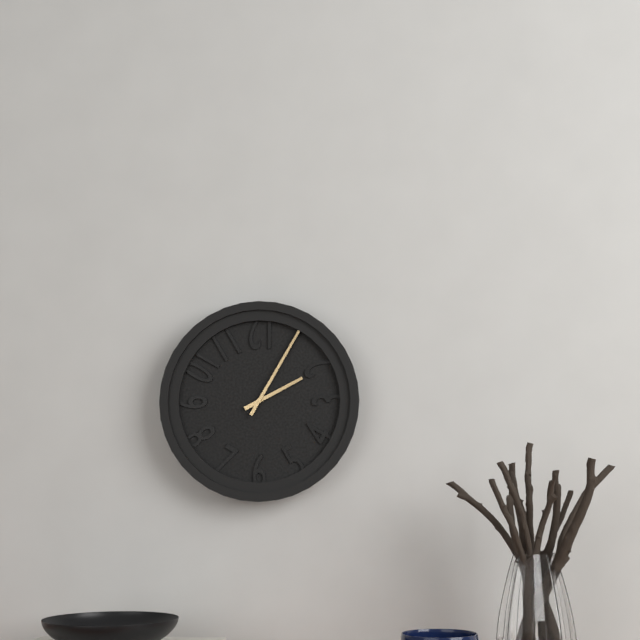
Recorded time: 2:05
